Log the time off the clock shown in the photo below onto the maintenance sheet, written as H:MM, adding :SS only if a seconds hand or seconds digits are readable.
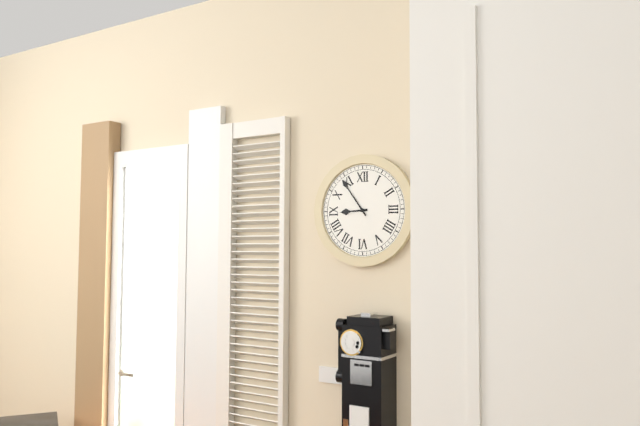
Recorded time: 8:54
